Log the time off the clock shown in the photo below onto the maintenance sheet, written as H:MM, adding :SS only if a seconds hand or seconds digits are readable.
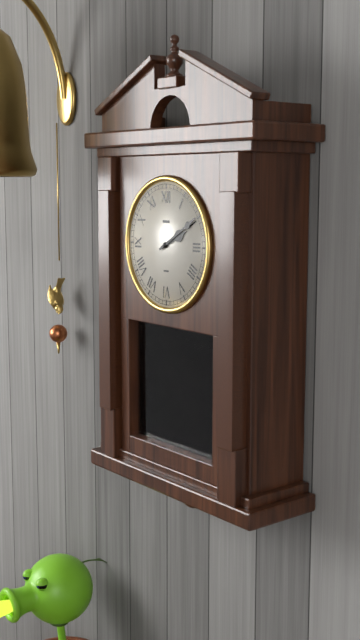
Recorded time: 2:10
